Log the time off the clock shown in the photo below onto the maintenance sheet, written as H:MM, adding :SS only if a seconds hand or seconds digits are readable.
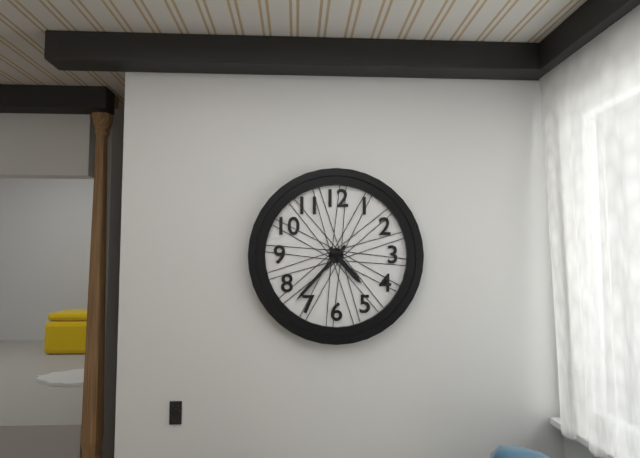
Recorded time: 4:37
